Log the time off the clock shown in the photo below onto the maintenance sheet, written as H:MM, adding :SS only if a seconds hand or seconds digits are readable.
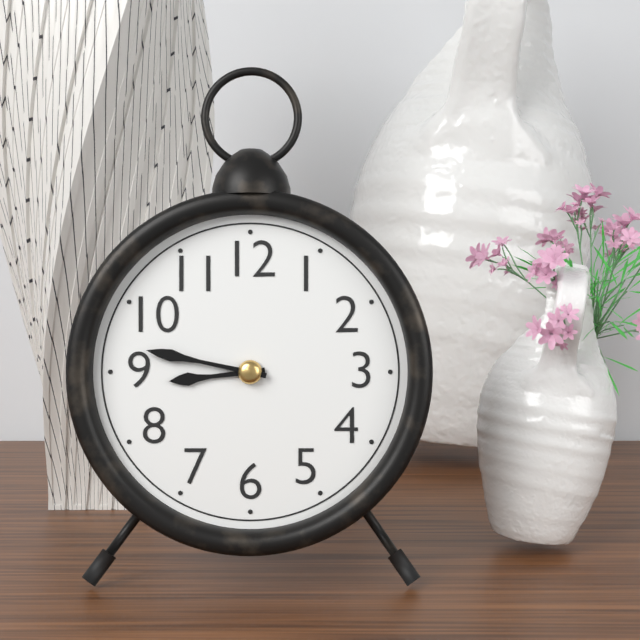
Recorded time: 8:47
